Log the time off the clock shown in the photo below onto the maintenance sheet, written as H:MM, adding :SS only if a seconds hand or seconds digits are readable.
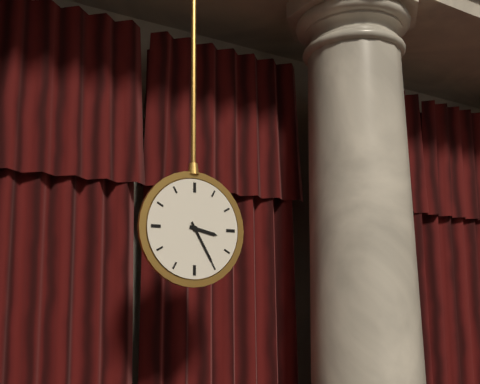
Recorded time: 3:25
